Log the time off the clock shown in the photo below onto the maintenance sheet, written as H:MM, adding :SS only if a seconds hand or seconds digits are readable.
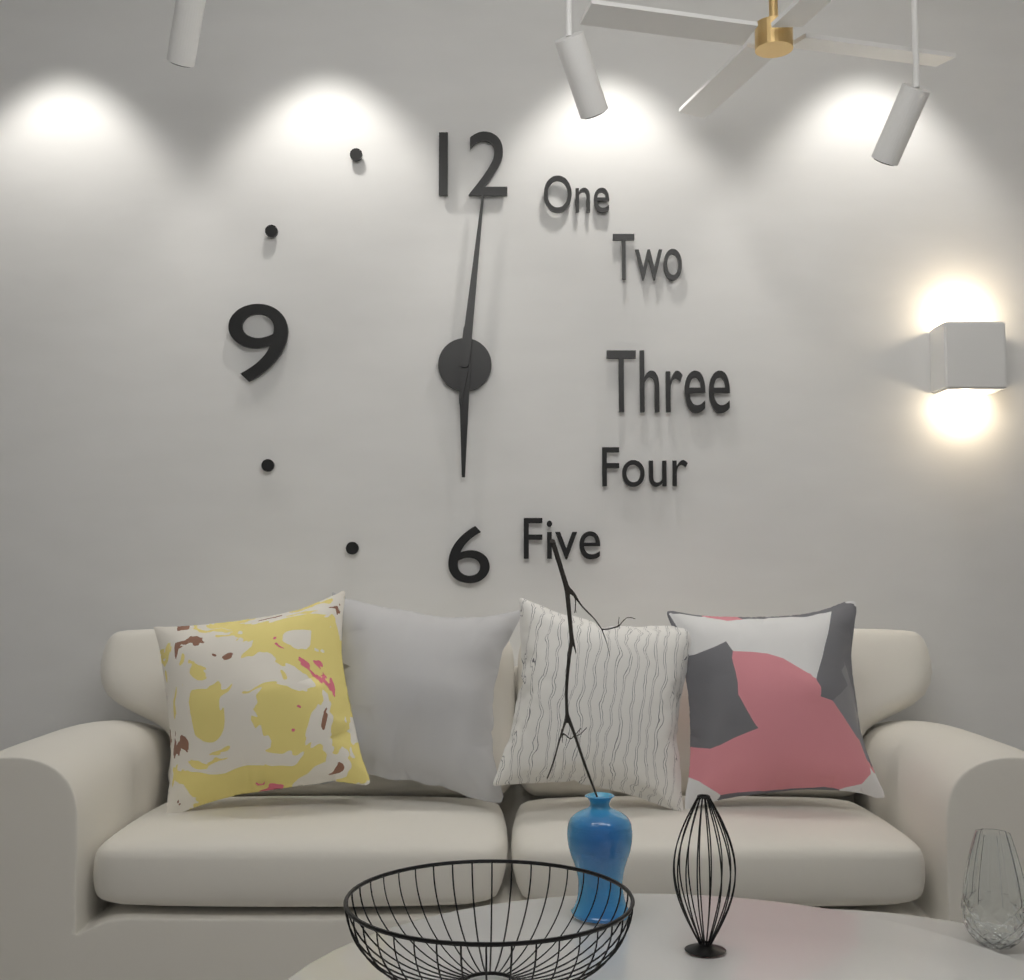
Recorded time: 6:01
